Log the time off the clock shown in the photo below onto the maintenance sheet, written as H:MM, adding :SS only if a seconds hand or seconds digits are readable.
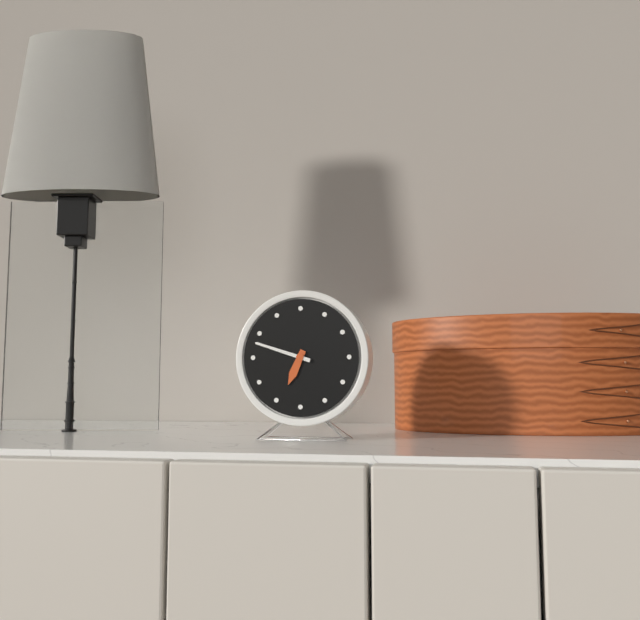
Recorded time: 6:48
